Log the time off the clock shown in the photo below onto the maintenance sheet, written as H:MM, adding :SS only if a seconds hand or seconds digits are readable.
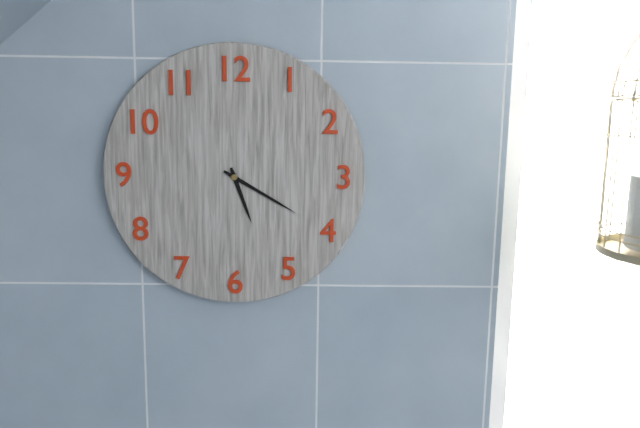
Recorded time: 5:20
